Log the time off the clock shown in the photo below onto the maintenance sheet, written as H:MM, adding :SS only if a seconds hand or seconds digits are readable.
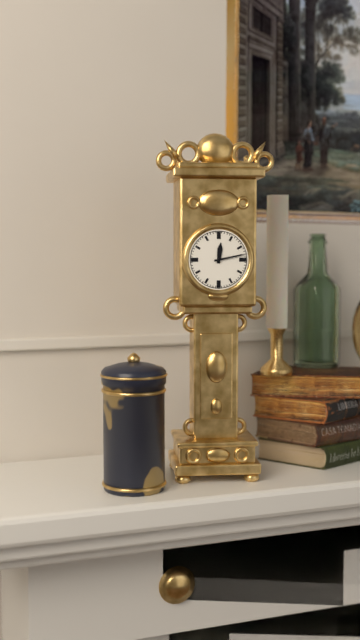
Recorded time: 12:13
